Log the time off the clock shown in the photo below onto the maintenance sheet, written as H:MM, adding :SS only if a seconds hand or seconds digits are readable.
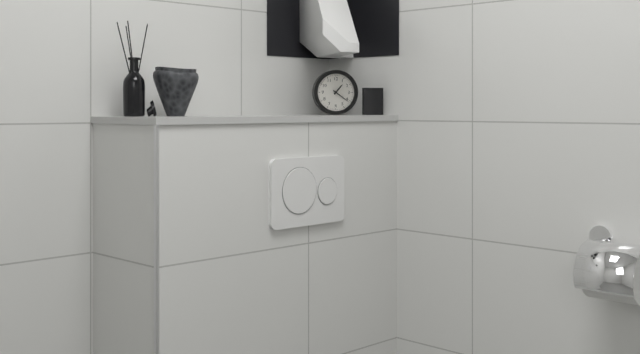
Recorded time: 1:21
